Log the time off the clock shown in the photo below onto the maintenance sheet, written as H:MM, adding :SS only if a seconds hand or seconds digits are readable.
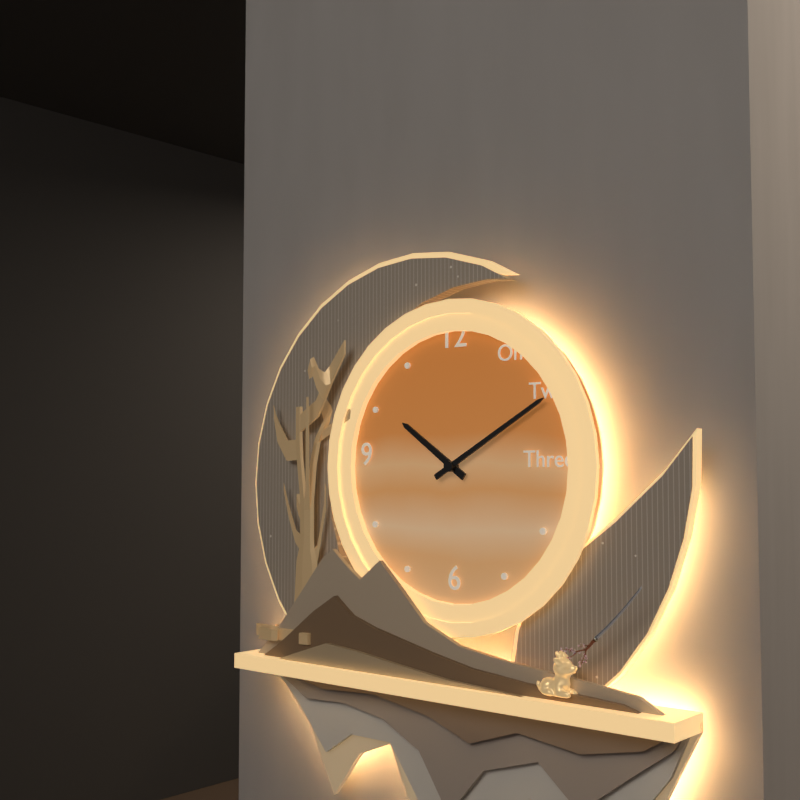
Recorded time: 10:10
